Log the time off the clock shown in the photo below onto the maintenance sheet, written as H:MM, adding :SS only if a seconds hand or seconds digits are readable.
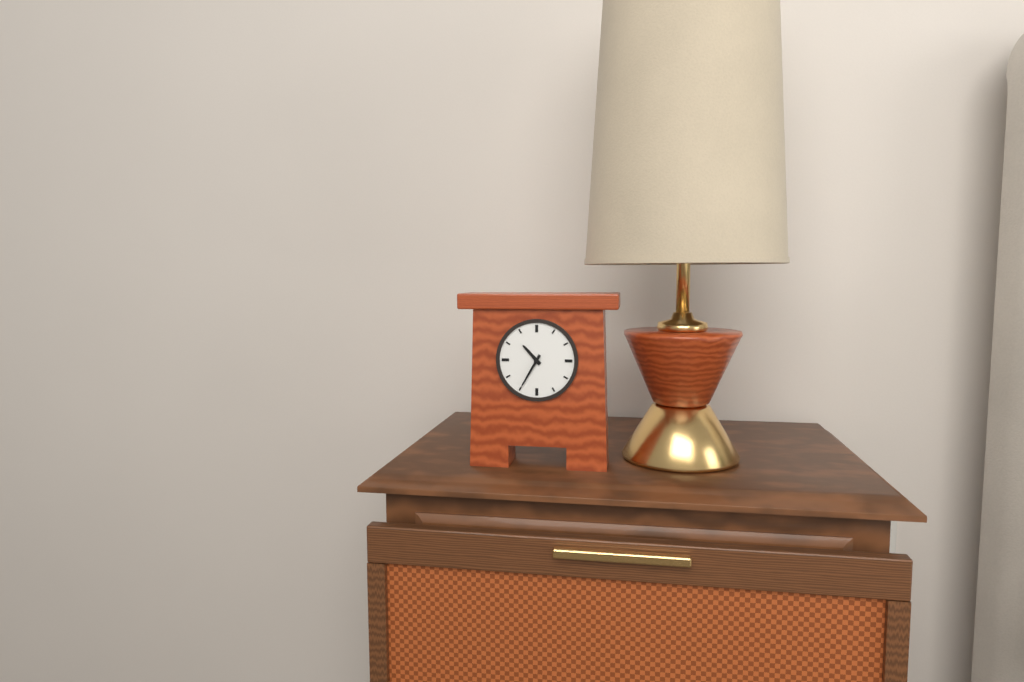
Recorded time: 10:35
